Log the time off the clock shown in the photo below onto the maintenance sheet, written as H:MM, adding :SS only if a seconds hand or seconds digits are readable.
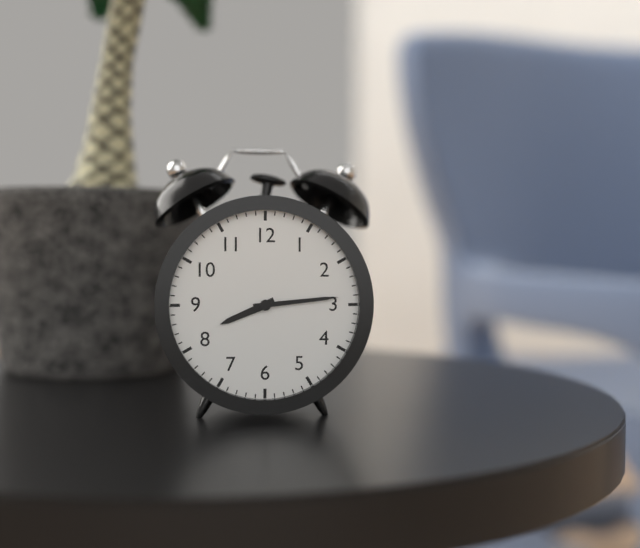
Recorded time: 8:14
